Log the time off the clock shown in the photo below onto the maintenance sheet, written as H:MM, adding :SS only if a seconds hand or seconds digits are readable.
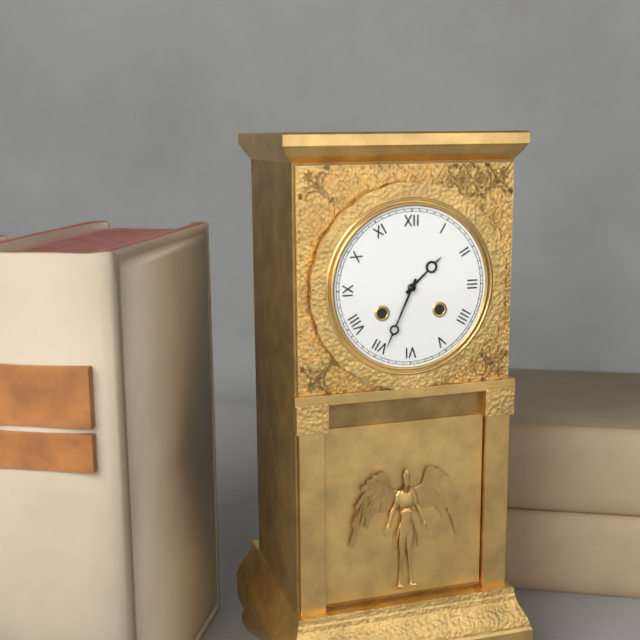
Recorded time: 1:34
